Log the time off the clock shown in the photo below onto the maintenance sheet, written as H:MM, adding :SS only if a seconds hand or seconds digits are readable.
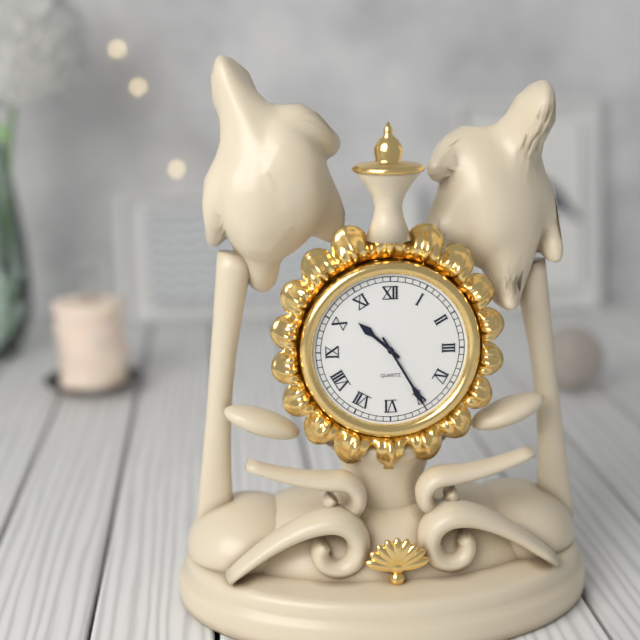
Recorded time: 10:25
